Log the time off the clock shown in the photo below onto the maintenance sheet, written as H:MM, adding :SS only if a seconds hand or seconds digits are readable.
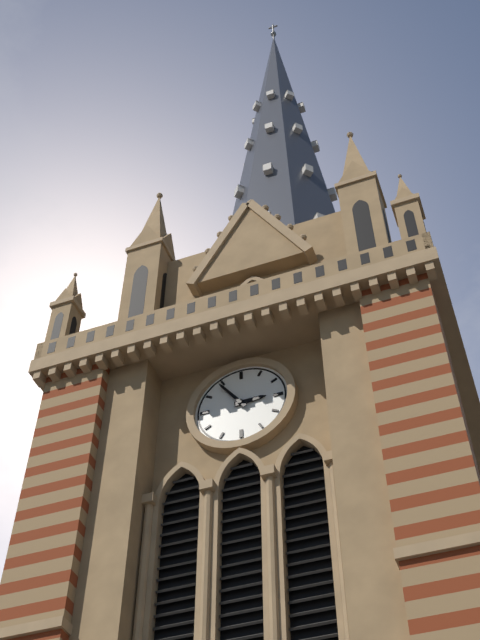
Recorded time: 2:54
